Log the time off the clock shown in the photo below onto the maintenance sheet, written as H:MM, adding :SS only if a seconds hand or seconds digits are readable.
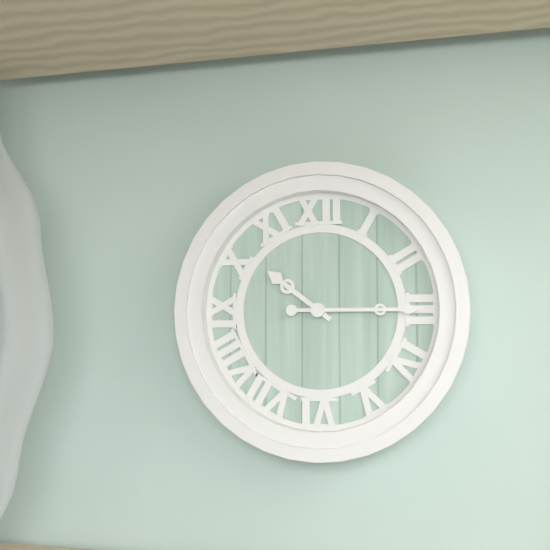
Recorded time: 10:15
